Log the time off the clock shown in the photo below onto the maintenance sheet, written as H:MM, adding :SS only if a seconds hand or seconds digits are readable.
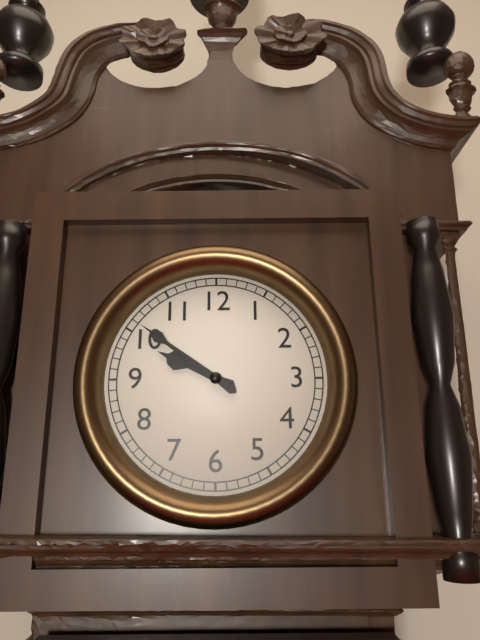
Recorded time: 9:51
